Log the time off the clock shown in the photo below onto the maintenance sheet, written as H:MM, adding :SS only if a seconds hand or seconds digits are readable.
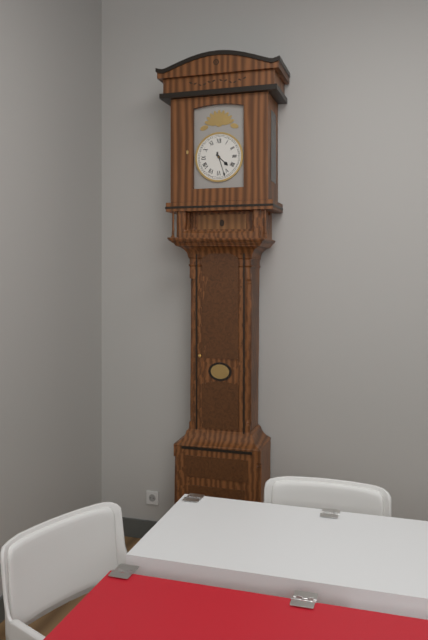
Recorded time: 4:27
